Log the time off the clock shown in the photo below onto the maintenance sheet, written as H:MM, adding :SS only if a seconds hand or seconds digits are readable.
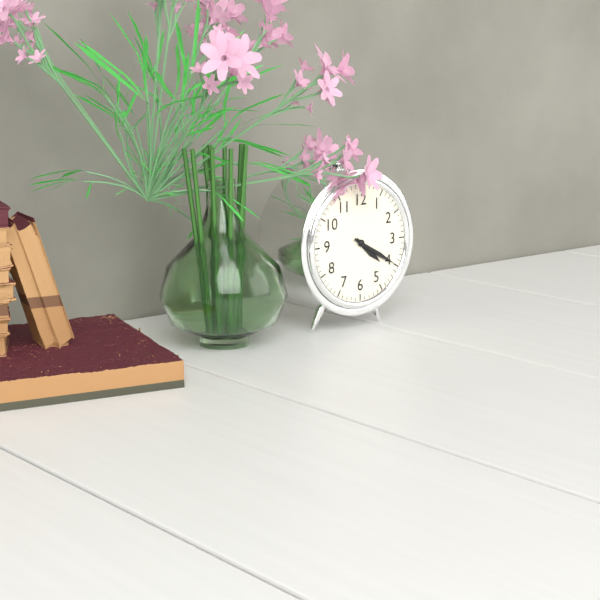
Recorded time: 4:20
